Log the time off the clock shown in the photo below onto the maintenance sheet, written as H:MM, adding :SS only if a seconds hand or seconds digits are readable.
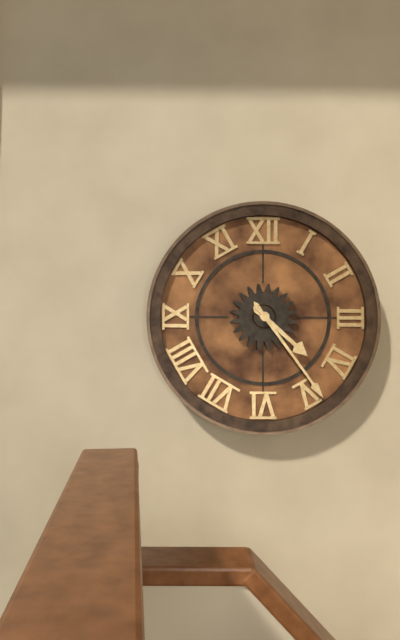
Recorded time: 4:24
